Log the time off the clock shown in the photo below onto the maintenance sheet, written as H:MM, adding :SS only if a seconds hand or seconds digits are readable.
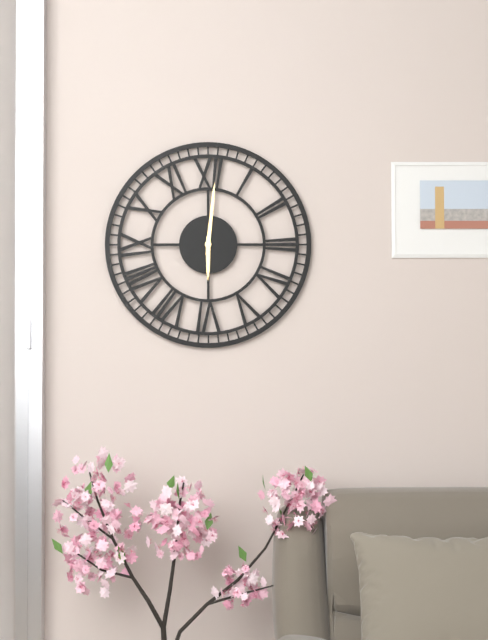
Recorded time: 6:01
